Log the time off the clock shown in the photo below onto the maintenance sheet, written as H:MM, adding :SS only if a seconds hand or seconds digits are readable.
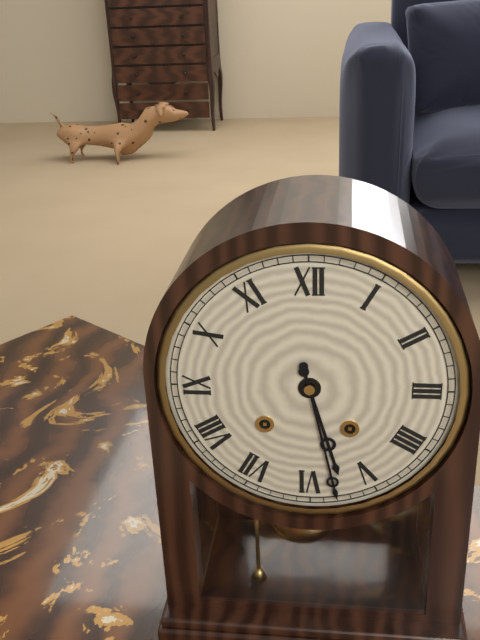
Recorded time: 5:28
